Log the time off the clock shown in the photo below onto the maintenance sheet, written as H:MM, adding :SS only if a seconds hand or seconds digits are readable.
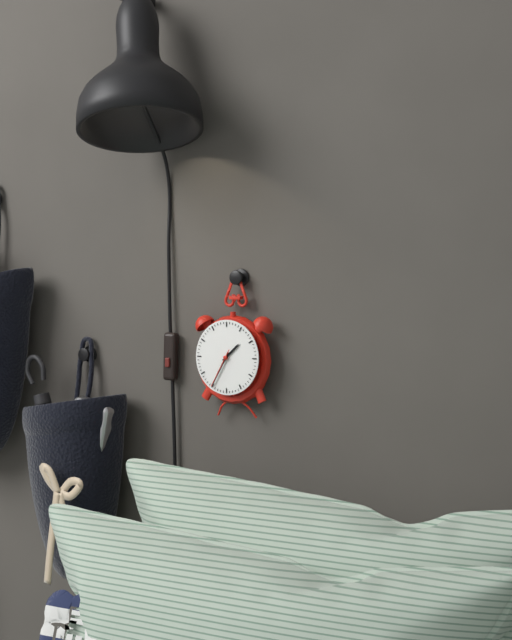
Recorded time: 1:35
